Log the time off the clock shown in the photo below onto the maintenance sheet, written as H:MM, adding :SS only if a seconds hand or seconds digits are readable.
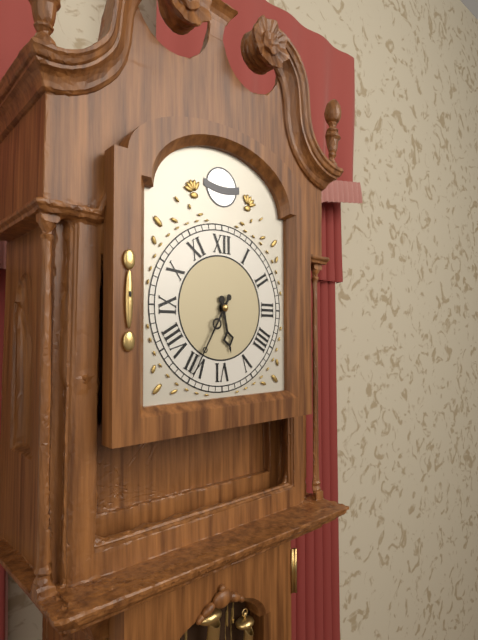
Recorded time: 5:35
